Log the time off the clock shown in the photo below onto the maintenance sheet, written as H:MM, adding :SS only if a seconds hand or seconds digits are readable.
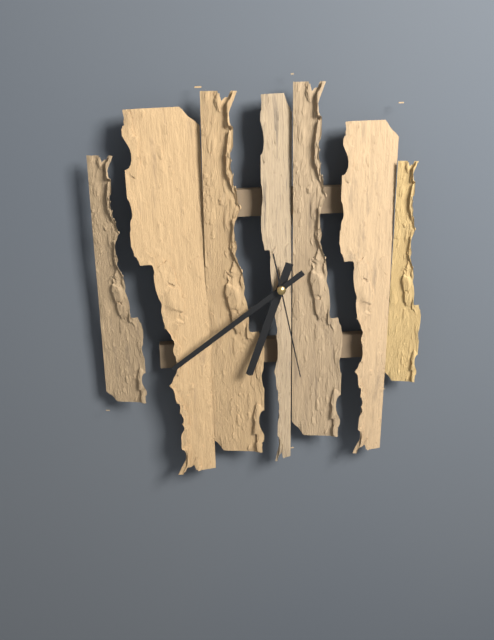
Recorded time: 6:39:28
